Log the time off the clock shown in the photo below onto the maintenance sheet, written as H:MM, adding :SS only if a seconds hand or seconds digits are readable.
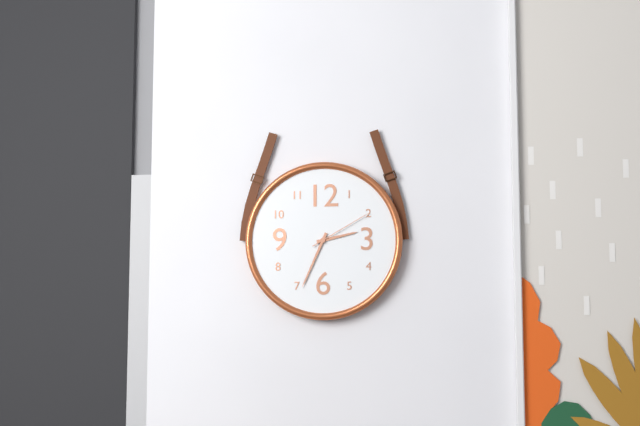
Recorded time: 2:34:10
